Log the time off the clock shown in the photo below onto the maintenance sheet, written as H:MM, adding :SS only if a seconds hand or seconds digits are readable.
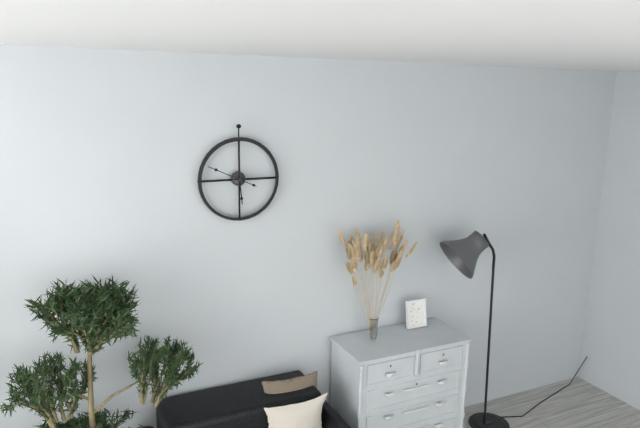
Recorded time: 5:49
